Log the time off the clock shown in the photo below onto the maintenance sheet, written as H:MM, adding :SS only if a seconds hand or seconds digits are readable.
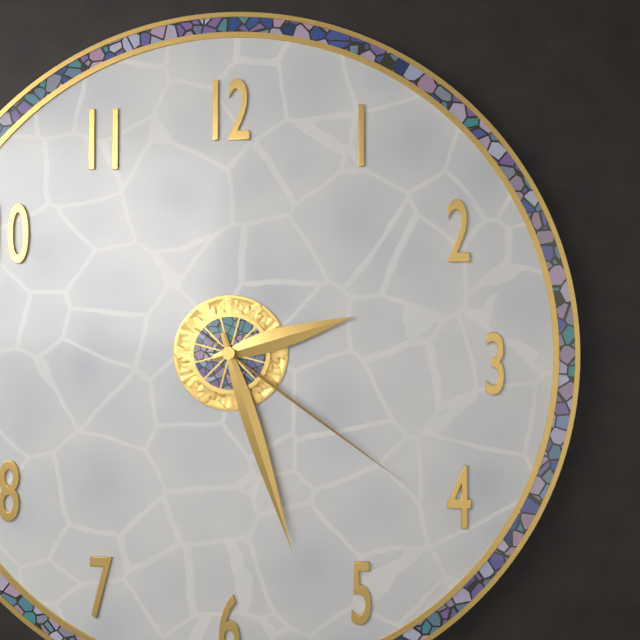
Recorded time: 2:27:21
